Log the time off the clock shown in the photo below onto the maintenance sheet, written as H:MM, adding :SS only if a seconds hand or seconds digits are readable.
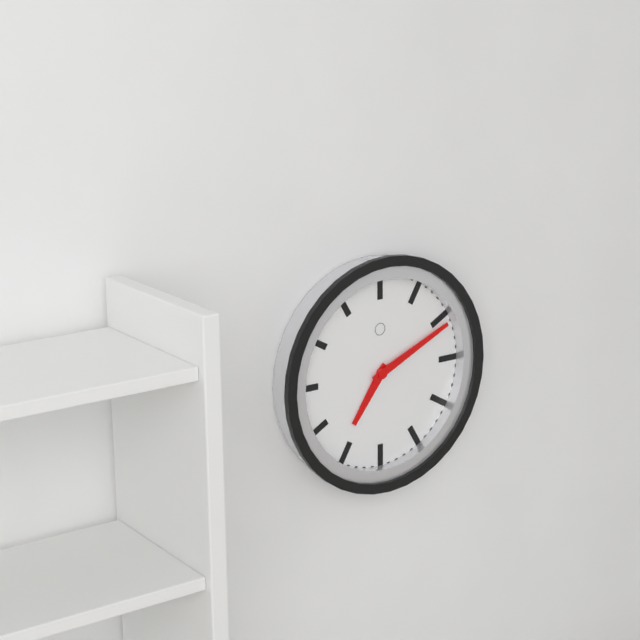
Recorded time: 7:11
